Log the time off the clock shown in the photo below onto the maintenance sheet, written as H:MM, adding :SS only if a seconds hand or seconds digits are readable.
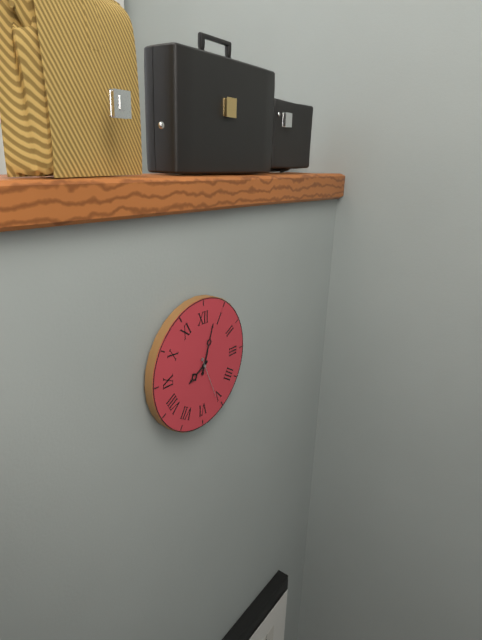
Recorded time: 8:03
